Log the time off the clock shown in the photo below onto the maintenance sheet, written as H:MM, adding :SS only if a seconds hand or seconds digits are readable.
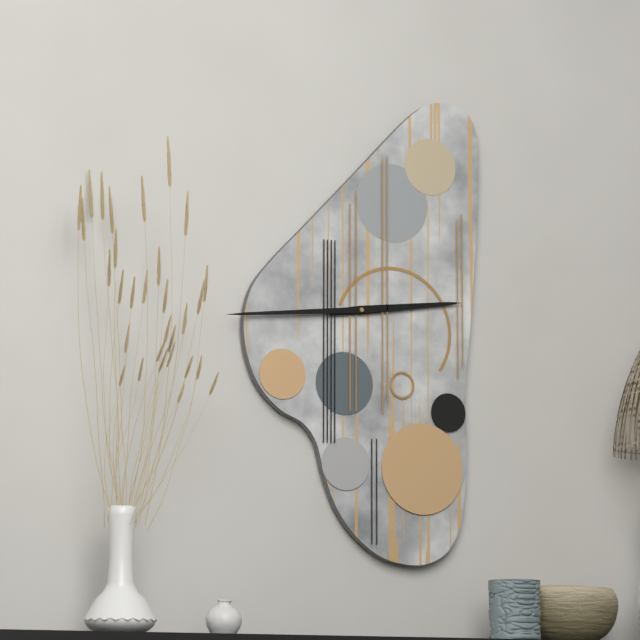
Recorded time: 2:44
